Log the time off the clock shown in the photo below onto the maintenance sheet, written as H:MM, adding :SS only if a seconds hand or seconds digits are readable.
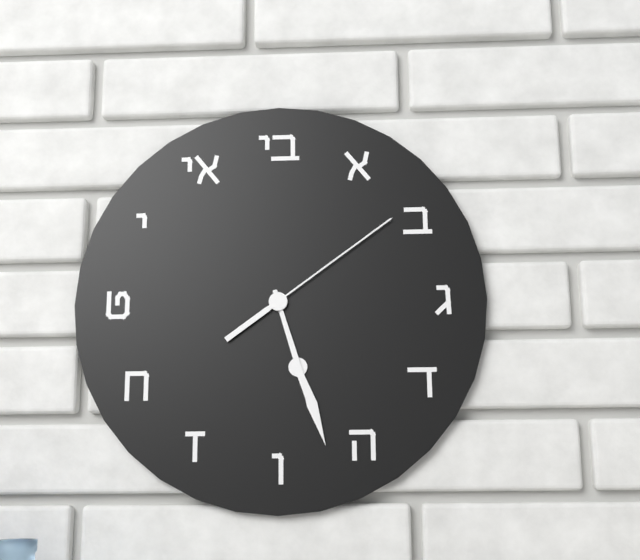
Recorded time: 5:27:09
